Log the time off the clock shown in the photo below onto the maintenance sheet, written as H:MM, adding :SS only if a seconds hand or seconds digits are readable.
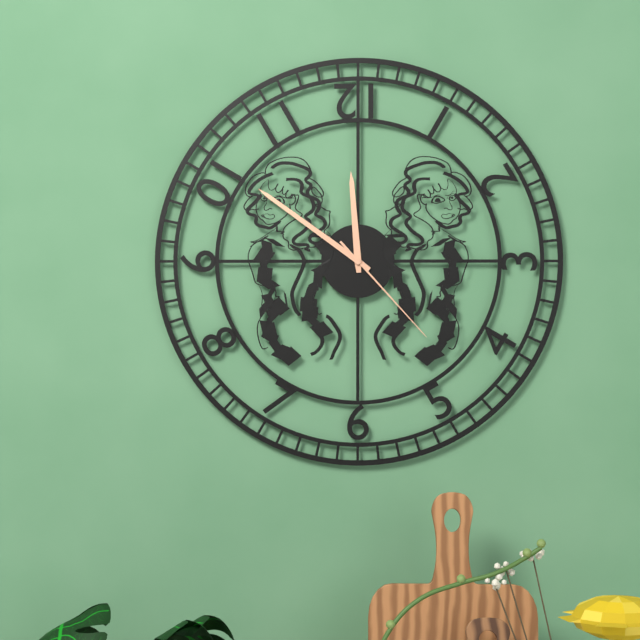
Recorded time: 11:51:23
